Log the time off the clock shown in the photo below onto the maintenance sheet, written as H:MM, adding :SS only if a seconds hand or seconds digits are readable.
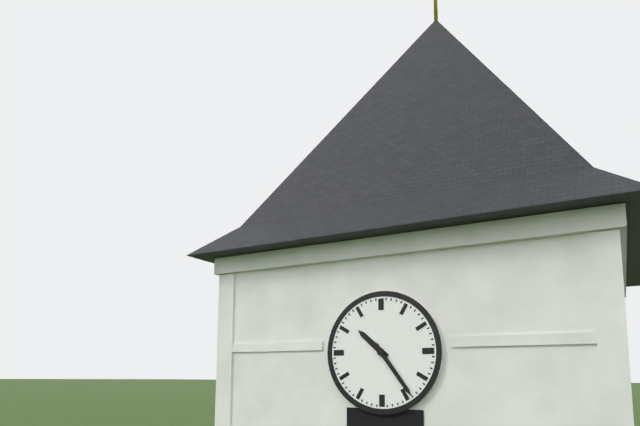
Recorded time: 10:24
